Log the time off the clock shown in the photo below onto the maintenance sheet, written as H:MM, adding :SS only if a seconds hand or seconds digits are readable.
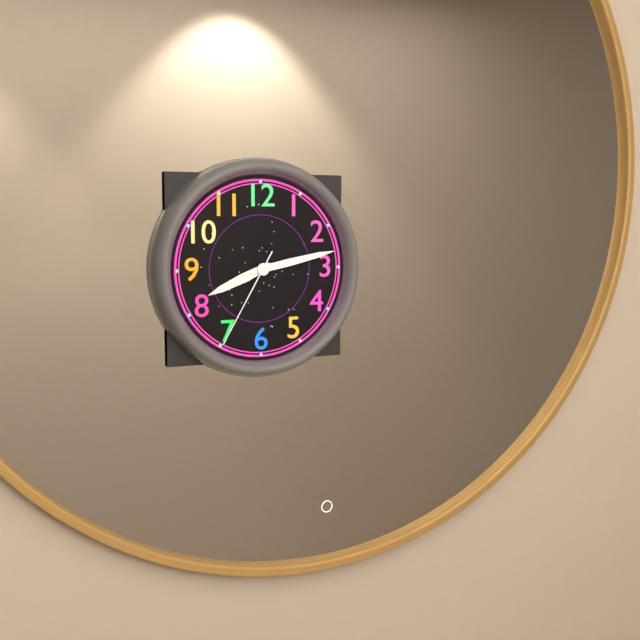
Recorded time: 8:13:35
